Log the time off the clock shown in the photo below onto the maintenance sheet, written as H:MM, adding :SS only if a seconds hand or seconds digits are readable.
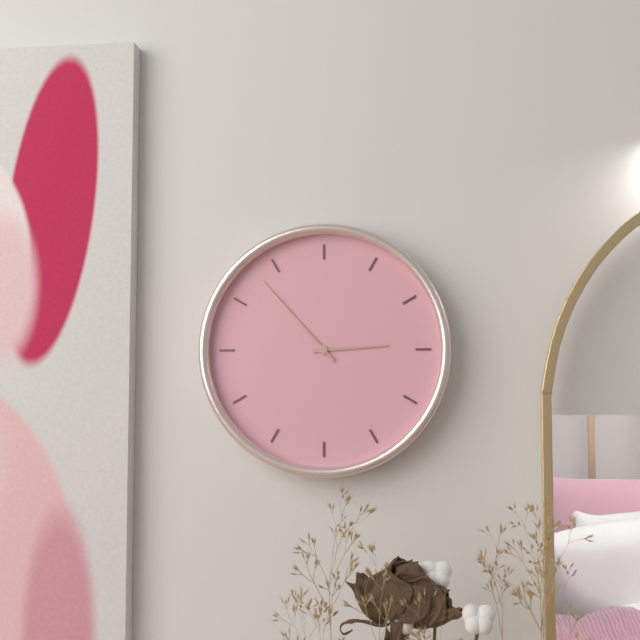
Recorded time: 2:53
